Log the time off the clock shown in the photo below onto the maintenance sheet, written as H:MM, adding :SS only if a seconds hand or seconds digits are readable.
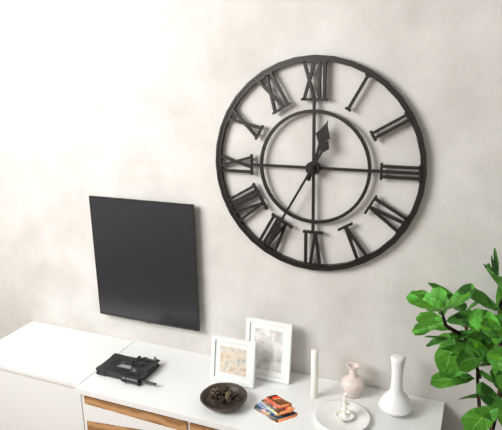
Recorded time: 12:35
